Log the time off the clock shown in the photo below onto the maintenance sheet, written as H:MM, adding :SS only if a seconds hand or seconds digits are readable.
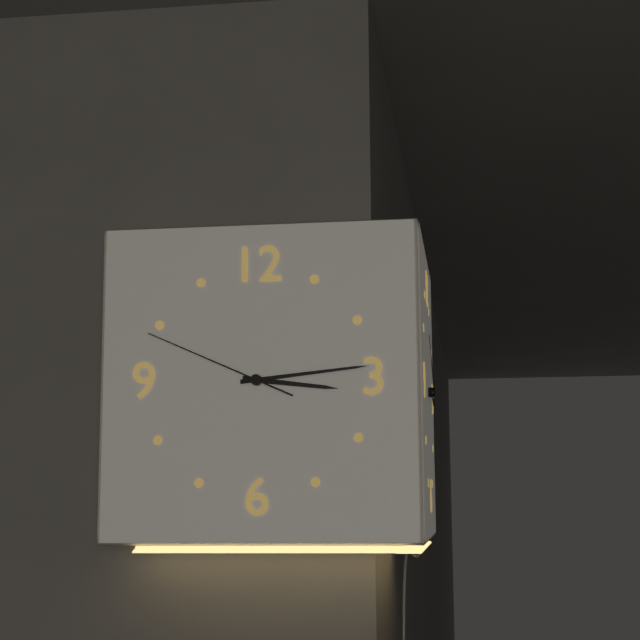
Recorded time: 3:14:49
